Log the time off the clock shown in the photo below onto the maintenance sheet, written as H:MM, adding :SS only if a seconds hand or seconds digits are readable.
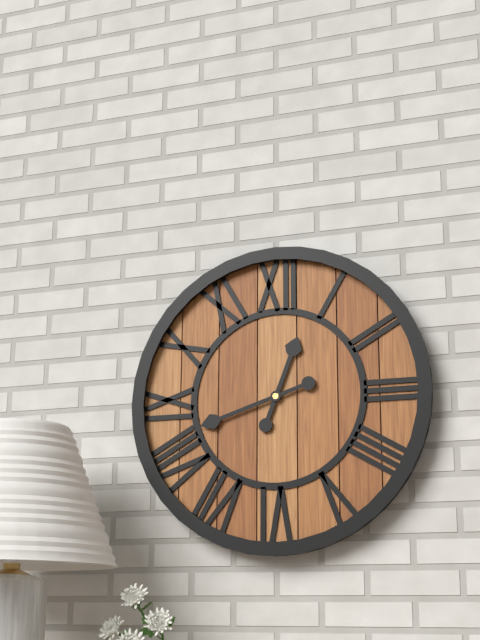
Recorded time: 12:42
